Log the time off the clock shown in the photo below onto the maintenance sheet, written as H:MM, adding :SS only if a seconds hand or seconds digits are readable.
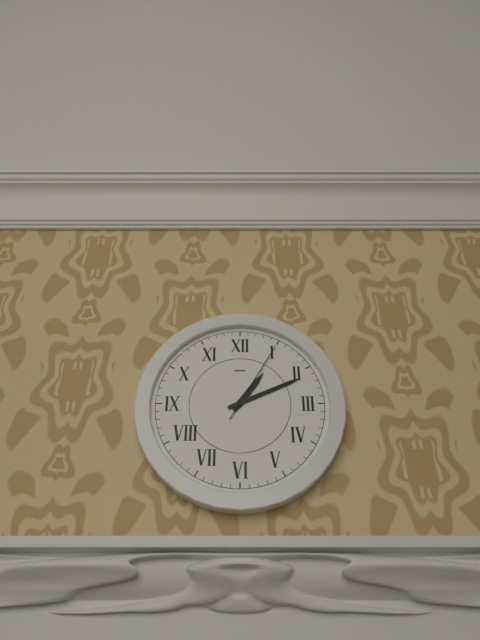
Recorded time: 1:11:05
